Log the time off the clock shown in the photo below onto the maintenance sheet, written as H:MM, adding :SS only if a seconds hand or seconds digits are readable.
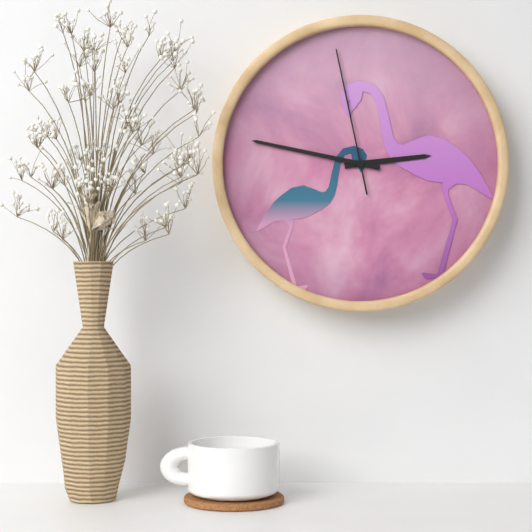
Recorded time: 2:47:58
